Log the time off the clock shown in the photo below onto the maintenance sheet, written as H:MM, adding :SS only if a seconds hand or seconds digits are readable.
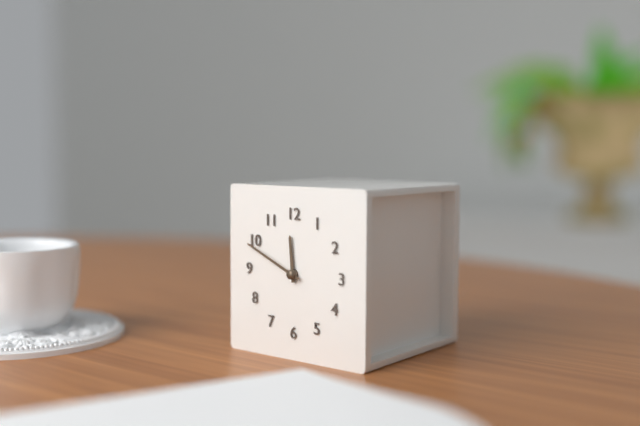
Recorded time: 11:49
